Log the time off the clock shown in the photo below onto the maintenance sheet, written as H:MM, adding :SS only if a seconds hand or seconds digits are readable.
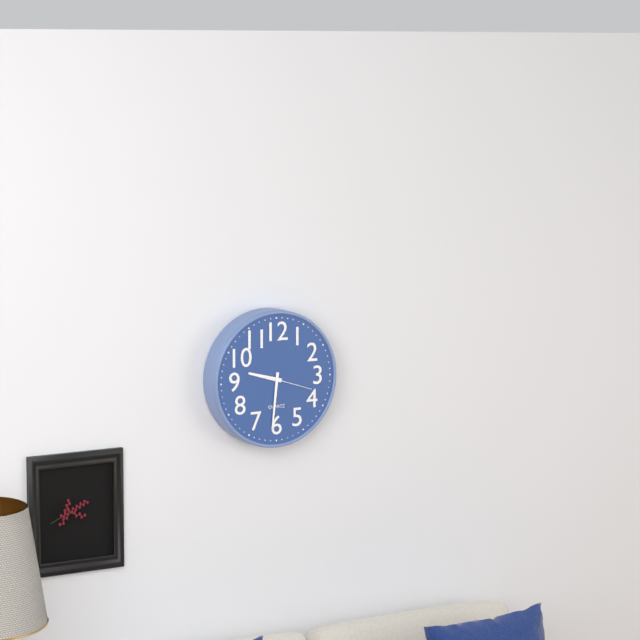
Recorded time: 9:31
